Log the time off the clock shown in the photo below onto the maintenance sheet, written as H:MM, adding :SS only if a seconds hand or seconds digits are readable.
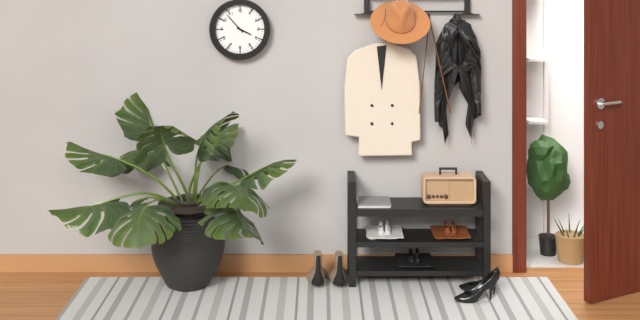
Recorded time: 3:53
